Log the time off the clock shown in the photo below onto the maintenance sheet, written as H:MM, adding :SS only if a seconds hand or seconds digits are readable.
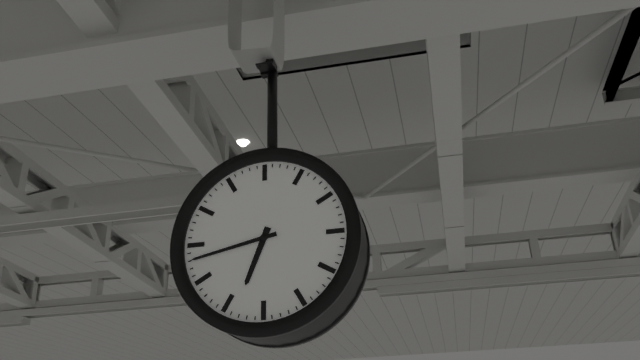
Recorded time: 6:43
